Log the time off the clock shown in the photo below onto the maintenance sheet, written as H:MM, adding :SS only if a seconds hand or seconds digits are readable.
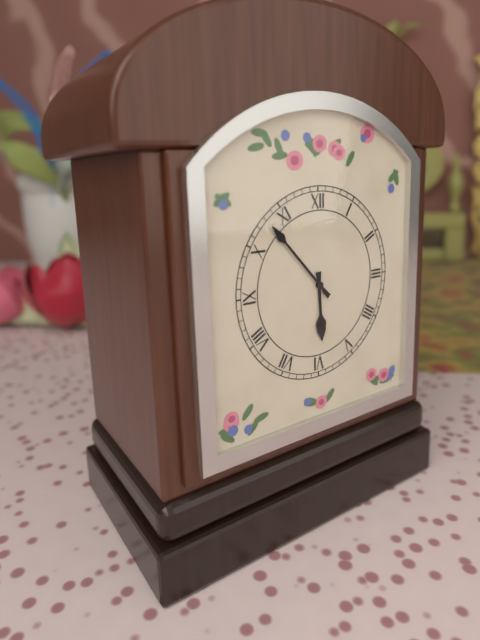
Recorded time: 5:53
